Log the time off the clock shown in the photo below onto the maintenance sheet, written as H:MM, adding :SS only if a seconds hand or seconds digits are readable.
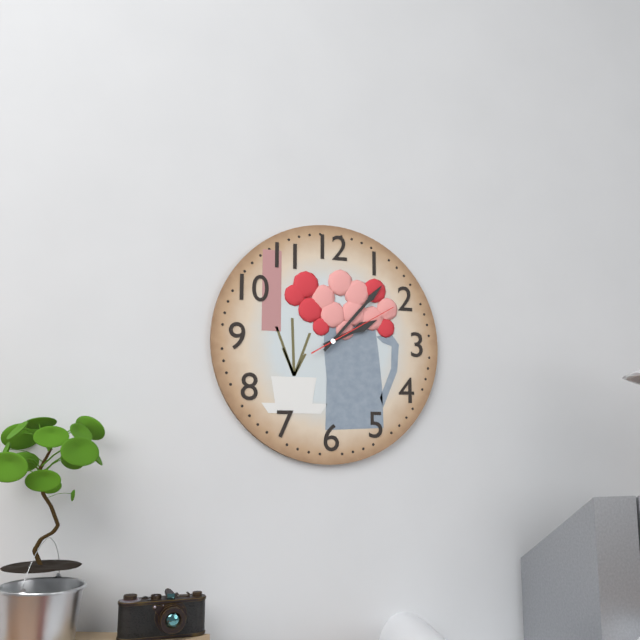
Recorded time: 2:07:10
